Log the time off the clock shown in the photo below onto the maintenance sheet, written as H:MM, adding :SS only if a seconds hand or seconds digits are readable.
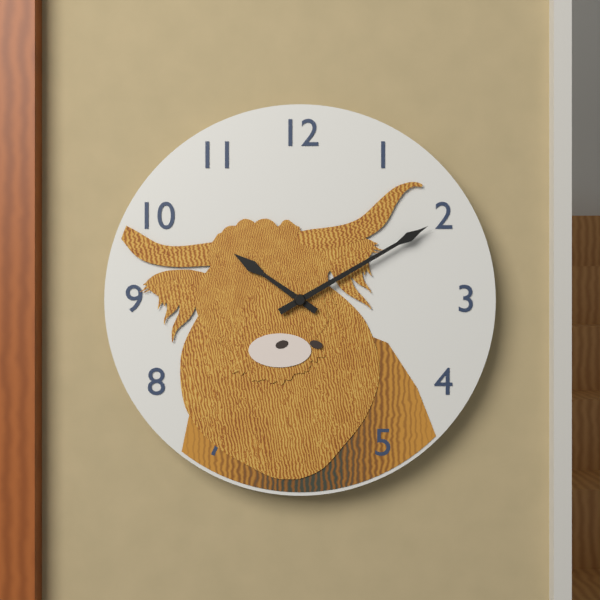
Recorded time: 10:10
